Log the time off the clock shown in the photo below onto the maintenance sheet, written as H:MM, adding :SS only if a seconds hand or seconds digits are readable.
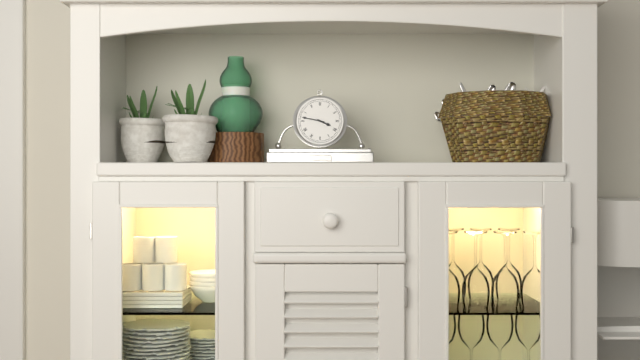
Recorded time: 3:47
